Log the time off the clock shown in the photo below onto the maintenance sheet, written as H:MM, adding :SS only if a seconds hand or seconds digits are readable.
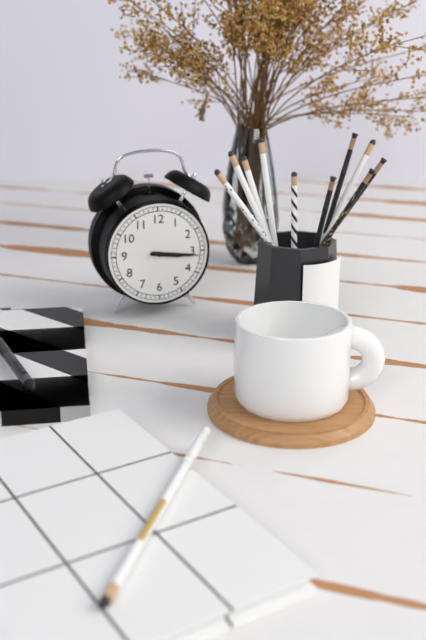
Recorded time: 3:16
